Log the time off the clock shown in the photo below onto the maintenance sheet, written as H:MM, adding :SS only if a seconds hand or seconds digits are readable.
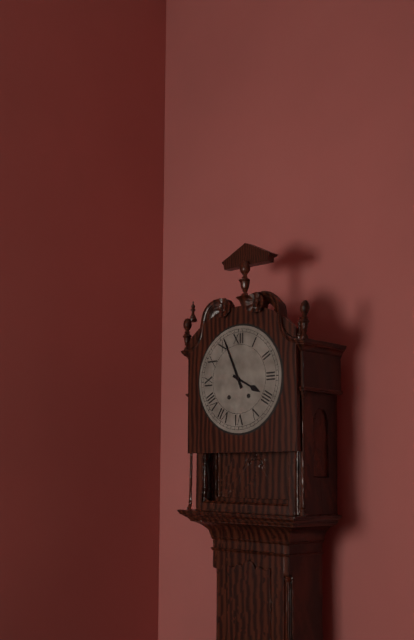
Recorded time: 3:56
